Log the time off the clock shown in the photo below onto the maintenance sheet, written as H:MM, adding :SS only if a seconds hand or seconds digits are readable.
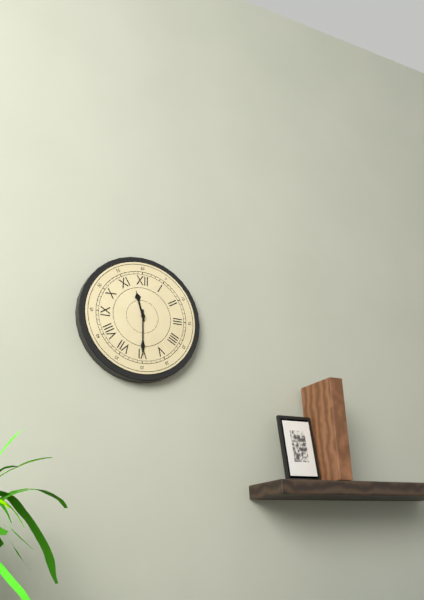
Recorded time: 11:30
